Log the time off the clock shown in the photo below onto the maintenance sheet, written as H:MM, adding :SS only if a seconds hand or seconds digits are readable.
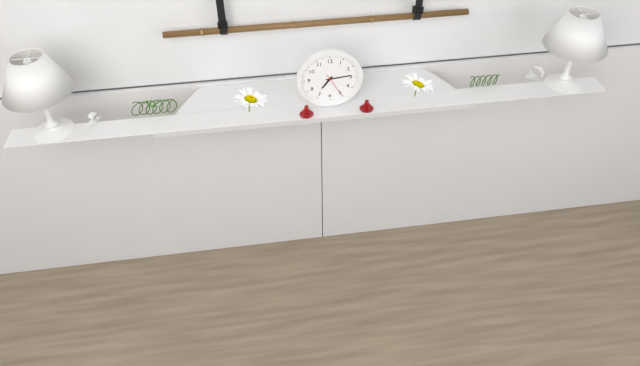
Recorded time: 7:14
